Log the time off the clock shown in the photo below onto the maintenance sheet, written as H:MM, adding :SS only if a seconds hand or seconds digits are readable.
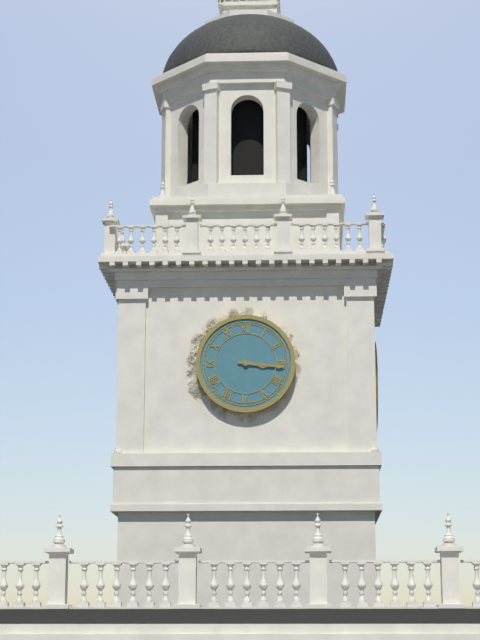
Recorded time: 3:16
